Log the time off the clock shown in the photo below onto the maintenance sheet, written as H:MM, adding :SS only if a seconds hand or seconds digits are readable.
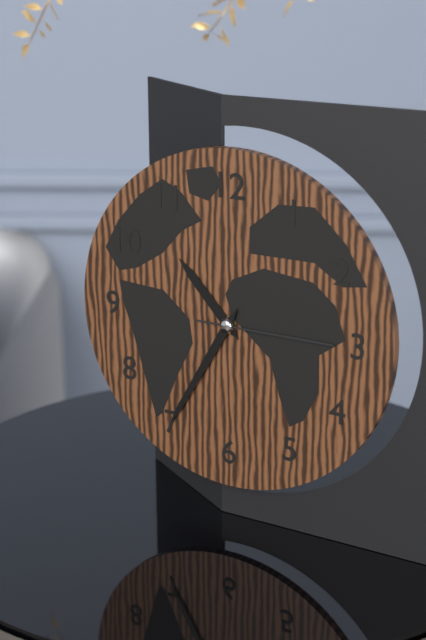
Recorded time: 10:35:15
